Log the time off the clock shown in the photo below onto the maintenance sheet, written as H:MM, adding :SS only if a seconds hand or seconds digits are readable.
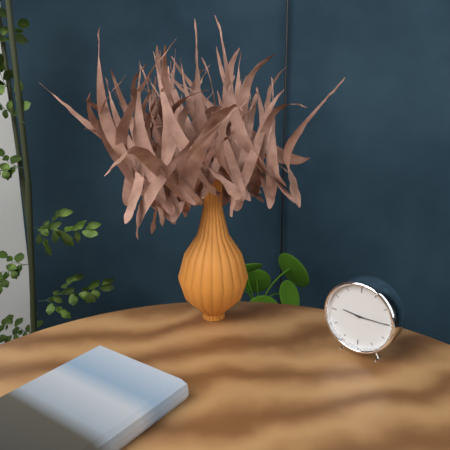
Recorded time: 9:15
